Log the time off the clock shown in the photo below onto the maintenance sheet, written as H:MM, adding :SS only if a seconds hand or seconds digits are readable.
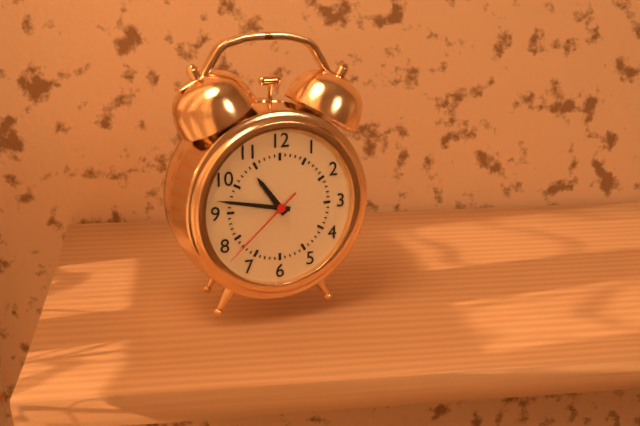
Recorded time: 10:47:38
